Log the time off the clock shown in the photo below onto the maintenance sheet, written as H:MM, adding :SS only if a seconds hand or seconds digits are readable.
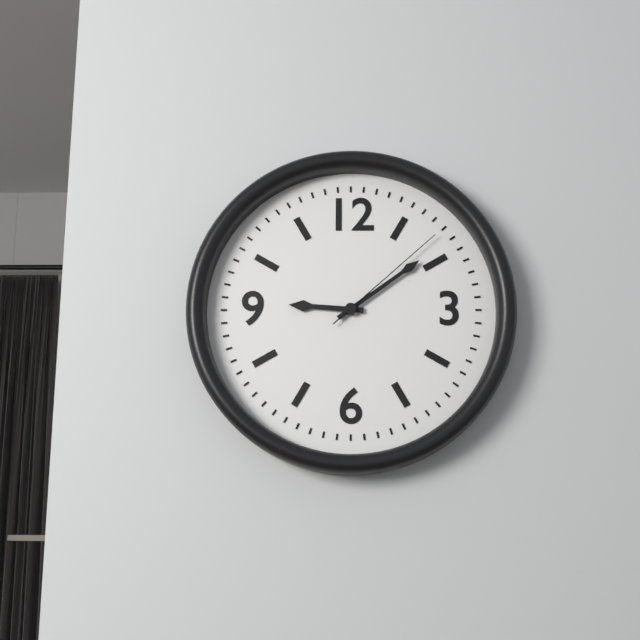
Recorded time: 9:09:08
